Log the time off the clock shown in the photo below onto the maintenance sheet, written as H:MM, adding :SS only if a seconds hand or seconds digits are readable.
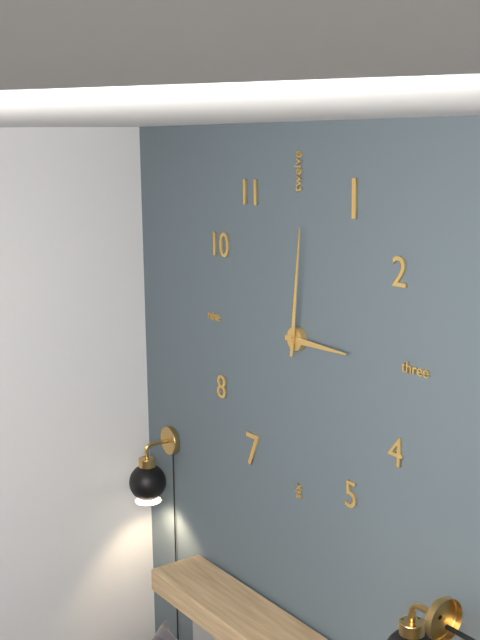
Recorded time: 3:01
